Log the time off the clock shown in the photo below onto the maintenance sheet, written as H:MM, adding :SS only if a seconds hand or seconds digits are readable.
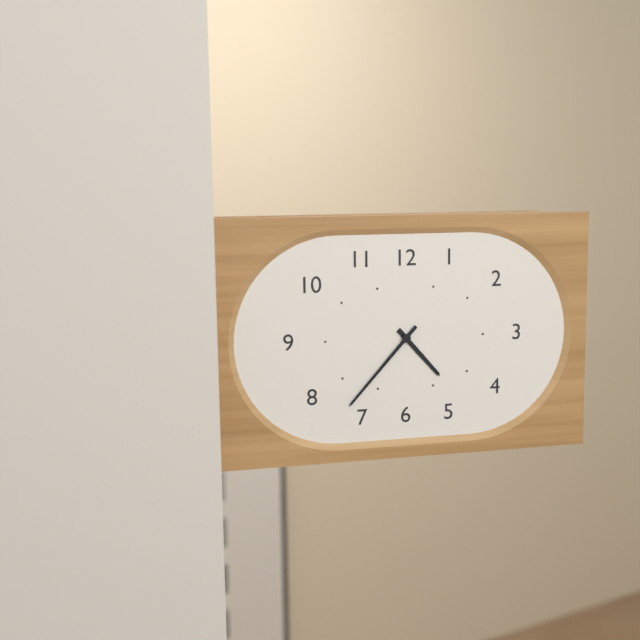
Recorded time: 4:37
